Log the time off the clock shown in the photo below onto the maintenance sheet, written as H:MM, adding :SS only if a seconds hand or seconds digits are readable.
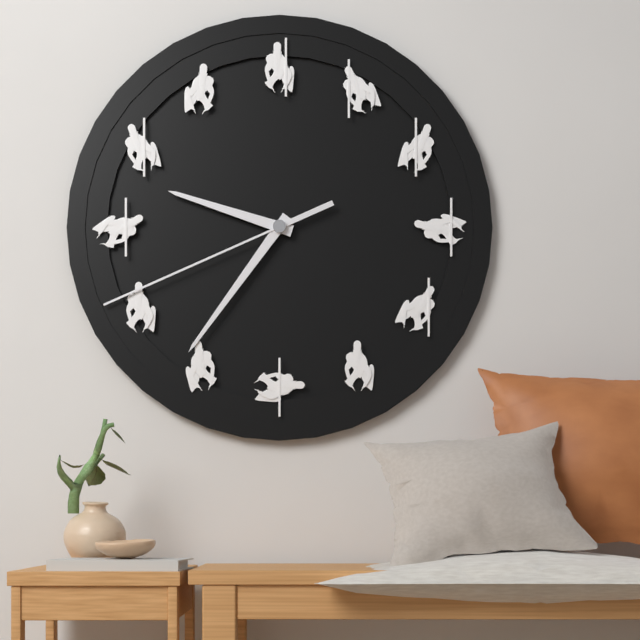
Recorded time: 9:36:41
